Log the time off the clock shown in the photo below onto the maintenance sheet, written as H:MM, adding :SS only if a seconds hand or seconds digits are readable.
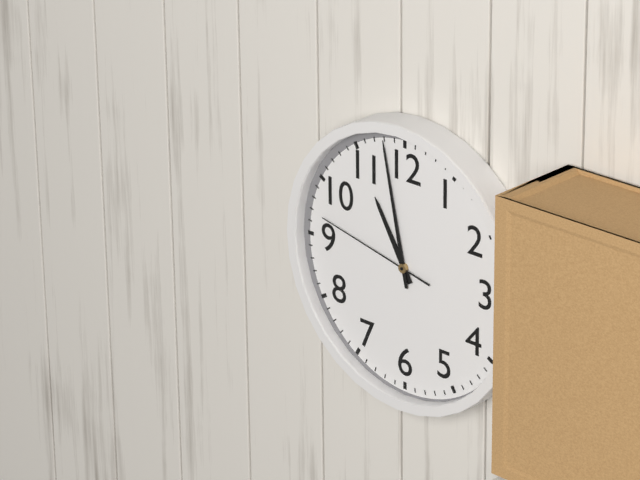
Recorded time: 10:58:47
